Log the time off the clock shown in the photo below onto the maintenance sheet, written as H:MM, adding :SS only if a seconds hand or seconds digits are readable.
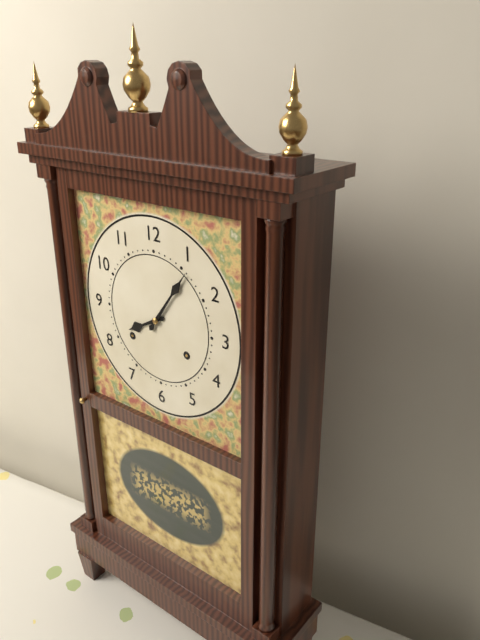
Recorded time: 8:06
